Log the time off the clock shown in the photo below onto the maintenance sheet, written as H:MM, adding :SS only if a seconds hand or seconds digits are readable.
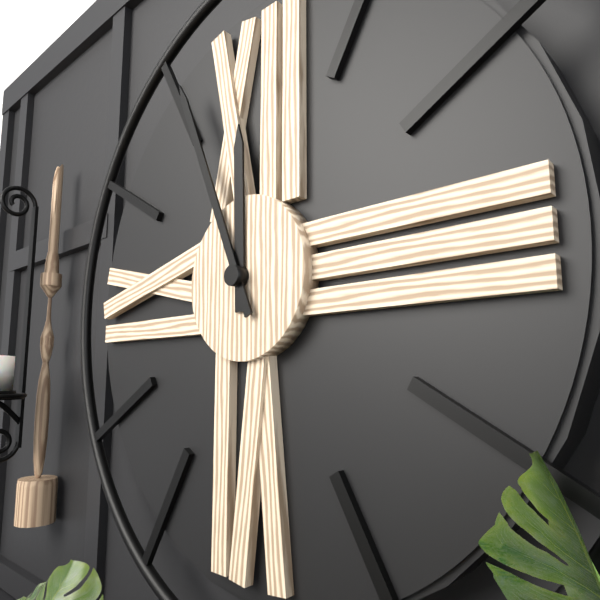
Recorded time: 11:56
